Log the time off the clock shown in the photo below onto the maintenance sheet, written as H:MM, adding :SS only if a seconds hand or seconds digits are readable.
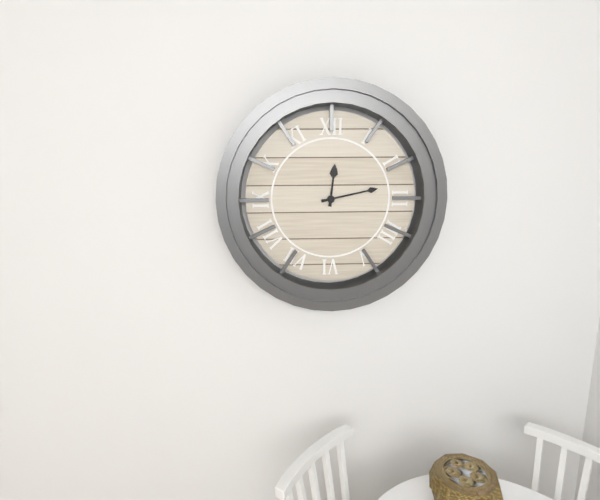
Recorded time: 12:13
